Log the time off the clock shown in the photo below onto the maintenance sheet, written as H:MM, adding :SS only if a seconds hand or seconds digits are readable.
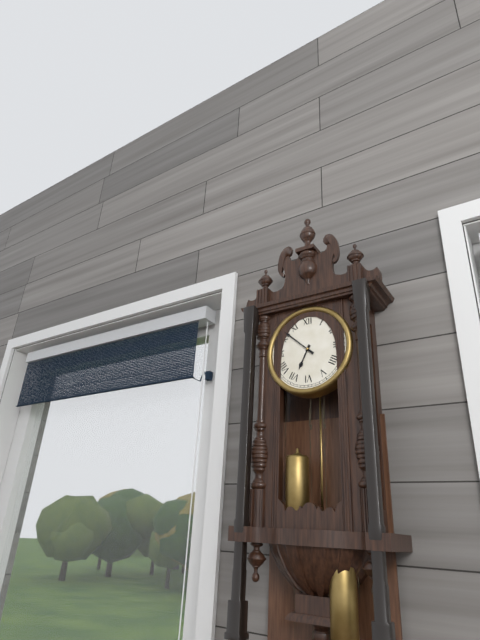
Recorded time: 6:52
